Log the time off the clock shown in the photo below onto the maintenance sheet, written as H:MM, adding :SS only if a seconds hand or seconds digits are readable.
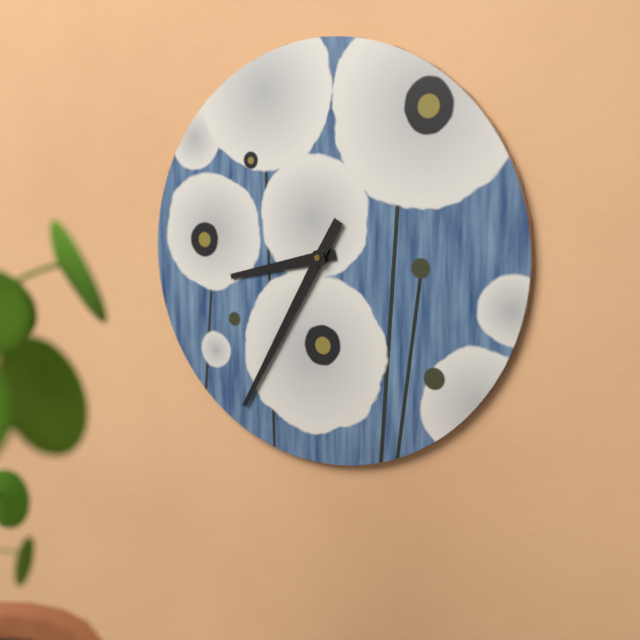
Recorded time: 8:35
